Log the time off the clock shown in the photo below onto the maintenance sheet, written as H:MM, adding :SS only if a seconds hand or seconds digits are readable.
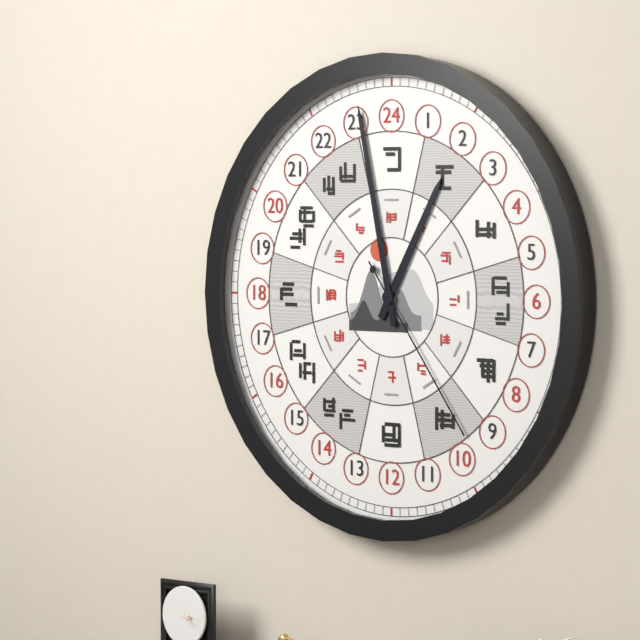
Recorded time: 12:58:24
